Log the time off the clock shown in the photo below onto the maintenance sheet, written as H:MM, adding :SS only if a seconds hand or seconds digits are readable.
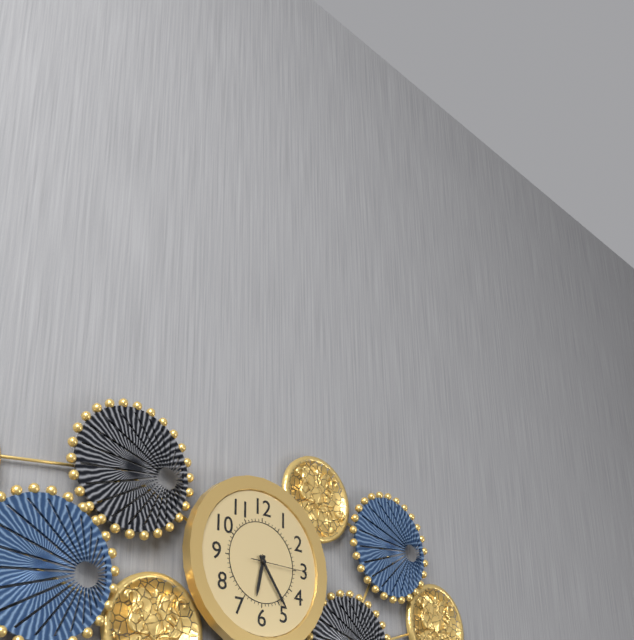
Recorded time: 6:24:15
